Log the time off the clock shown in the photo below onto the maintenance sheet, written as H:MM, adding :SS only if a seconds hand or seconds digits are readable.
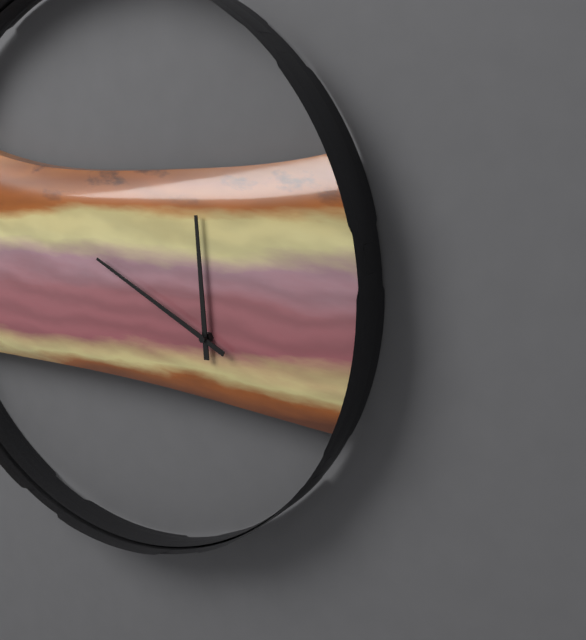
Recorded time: 11:49
